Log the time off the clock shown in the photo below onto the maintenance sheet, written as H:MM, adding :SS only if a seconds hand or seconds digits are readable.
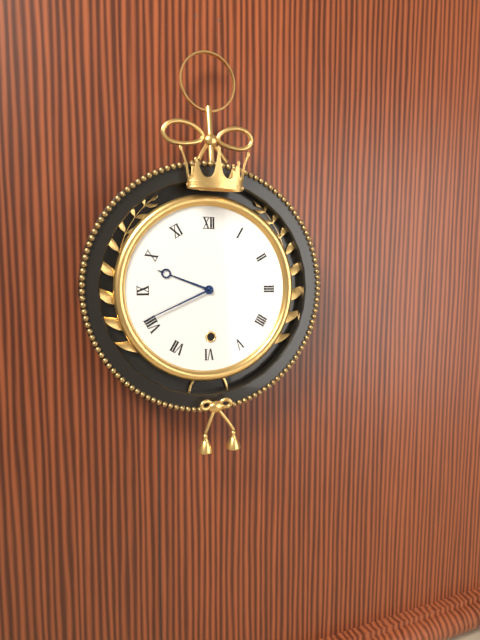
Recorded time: 9:41
